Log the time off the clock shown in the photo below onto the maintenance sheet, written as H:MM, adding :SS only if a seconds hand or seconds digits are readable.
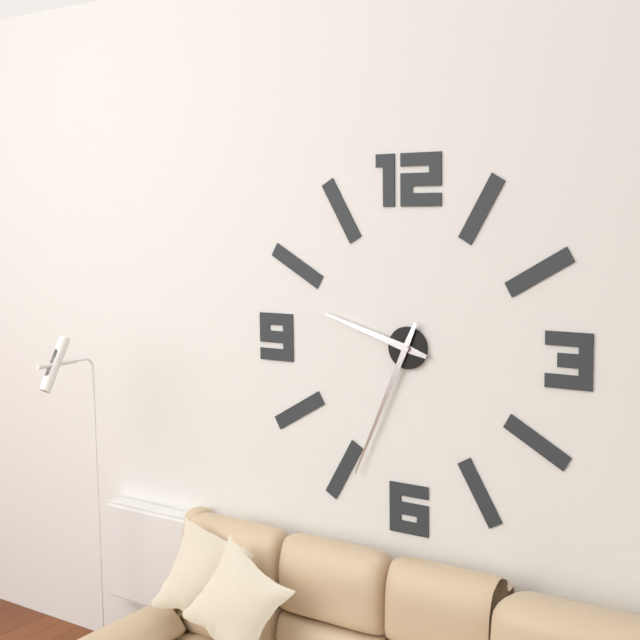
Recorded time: 9:34
